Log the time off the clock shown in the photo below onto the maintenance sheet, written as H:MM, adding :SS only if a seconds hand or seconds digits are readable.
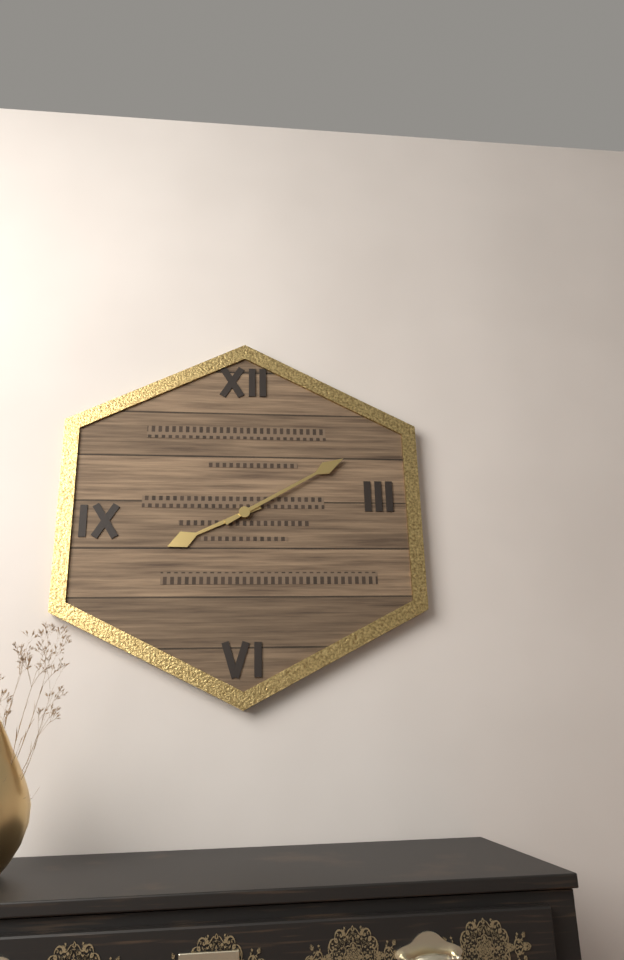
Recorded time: 8:10
